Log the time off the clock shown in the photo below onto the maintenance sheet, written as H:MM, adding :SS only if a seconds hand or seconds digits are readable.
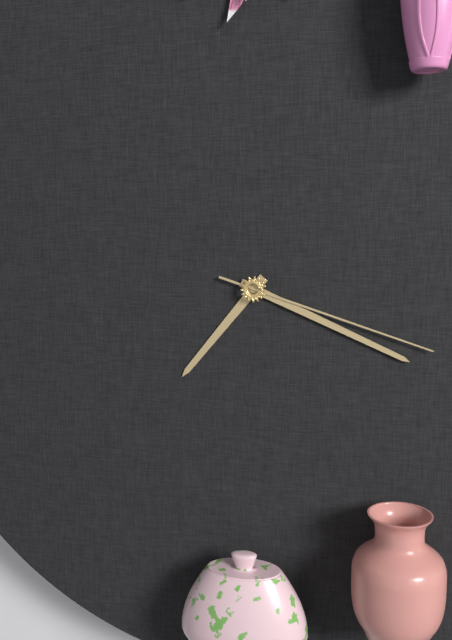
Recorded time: 7:19:18
